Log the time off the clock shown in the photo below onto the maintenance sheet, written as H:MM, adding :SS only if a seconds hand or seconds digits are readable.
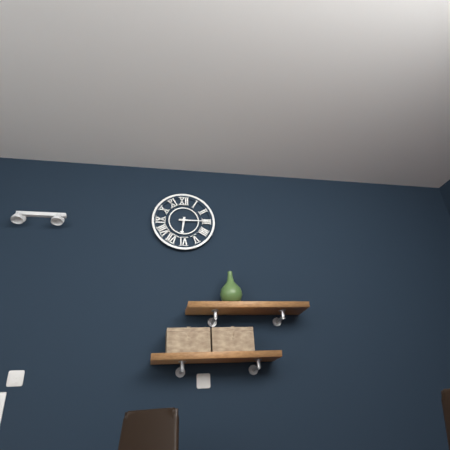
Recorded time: 6:15
